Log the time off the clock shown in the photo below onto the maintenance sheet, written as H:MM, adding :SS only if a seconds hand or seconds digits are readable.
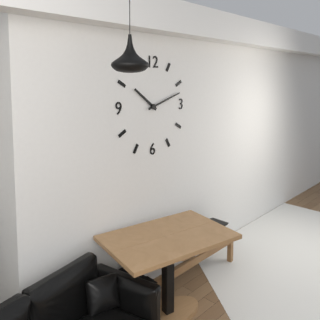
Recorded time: 10:12
